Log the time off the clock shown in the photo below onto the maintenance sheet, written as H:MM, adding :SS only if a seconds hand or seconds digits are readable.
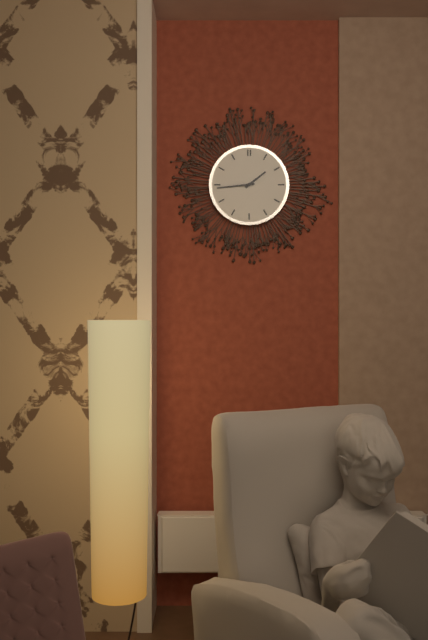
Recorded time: 1:44
